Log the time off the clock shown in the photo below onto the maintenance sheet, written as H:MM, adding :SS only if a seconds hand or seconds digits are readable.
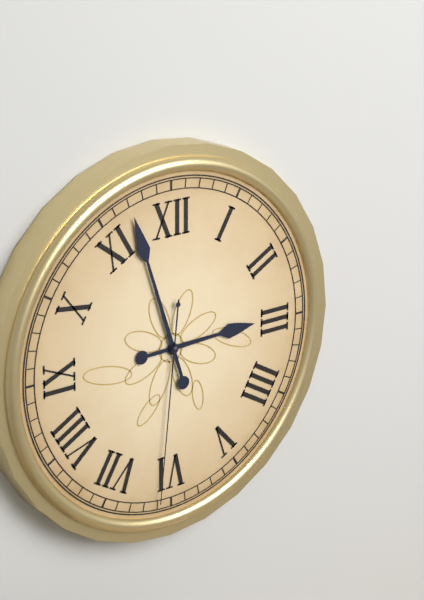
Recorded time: 2:57:31
